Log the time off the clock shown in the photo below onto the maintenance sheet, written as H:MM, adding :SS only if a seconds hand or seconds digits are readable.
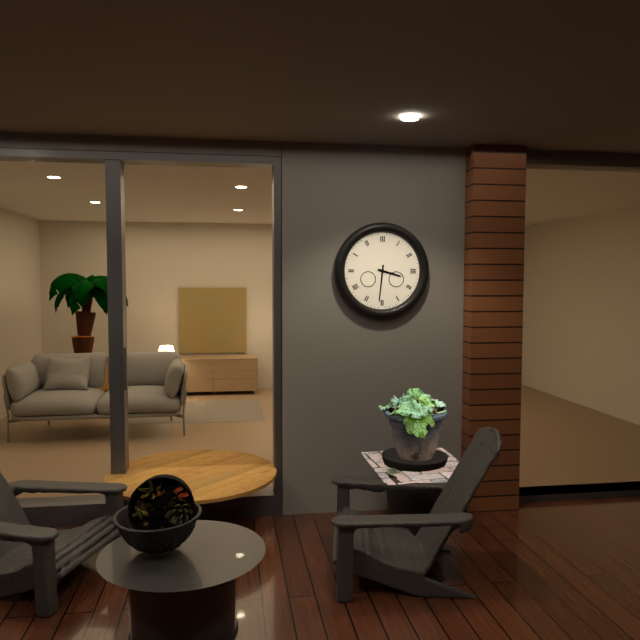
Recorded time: 3:31
